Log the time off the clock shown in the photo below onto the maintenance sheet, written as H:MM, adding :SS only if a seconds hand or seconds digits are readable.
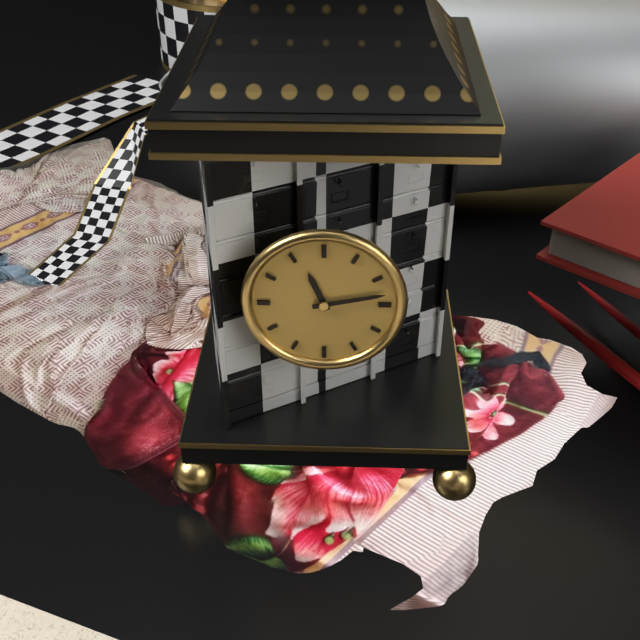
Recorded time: 11:13
